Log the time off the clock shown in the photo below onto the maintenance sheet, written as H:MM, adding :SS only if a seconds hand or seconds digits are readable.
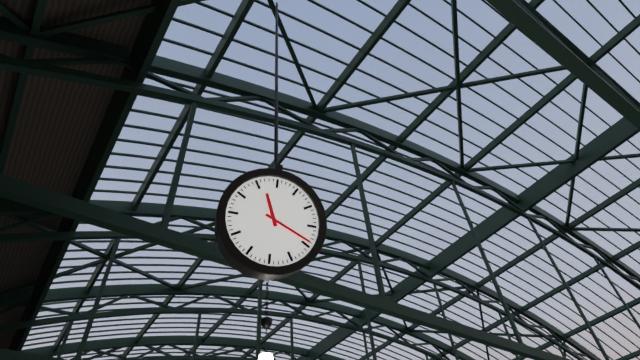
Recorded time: 11:19
